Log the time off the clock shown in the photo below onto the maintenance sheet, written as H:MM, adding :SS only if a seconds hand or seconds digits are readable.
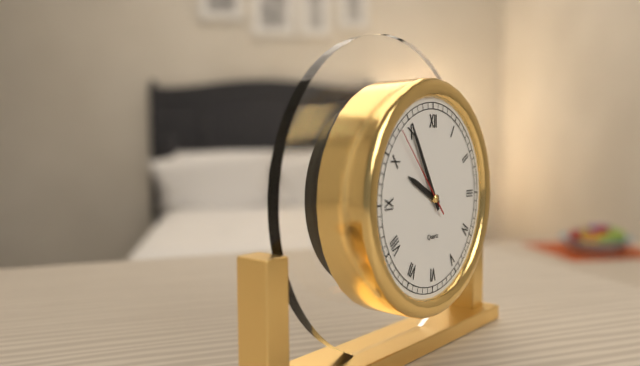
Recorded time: 9:55:53
